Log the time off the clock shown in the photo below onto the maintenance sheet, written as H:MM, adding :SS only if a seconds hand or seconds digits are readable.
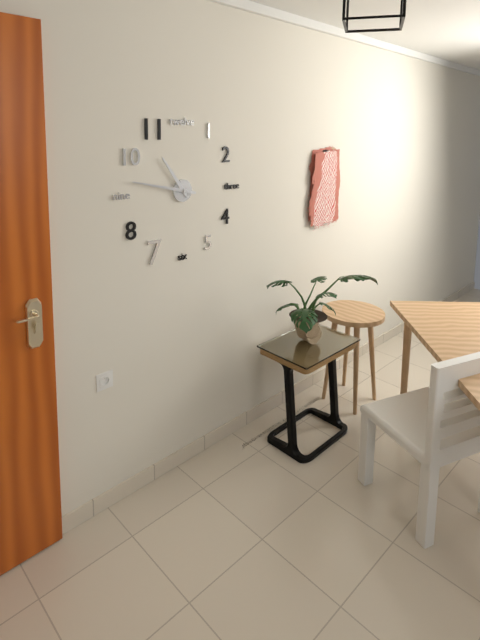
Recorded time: 10:47
